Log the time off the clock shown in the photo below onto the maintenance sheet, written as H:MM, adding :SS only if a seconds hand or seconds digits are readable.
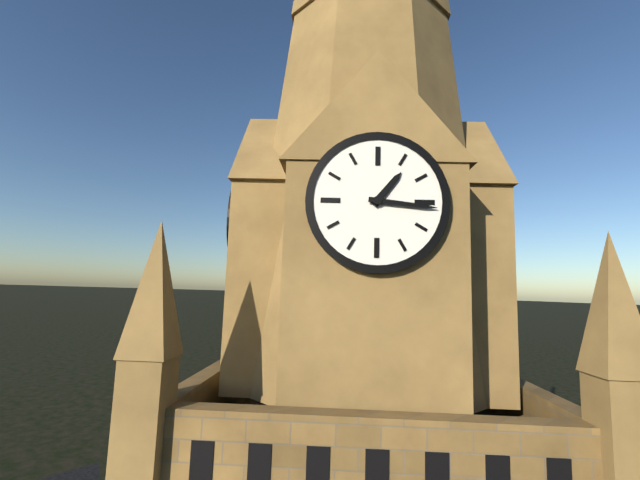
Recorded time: 1:16
